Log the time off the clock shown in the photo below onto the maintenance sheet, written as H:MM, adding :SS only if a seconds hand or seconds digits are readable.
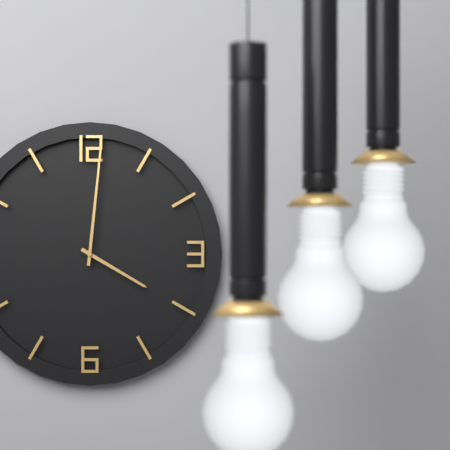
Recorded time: 4:01
